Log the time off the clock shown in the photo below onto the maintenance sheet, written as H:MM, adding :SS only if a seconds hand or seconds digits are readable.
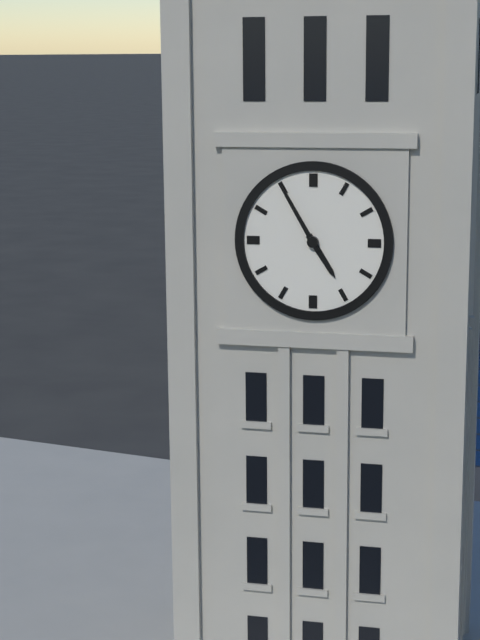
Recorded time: 4:55
